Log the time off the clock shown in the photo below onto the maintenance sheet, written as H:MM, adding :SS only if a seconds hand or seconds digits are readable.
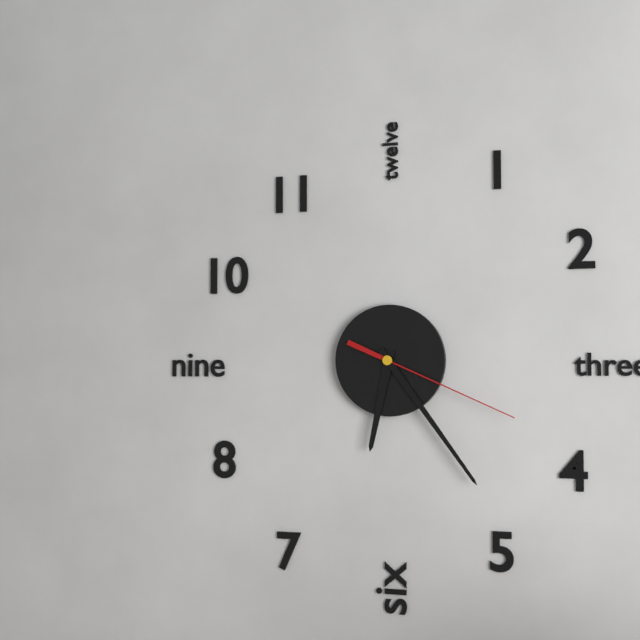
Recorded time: 6:24:19
